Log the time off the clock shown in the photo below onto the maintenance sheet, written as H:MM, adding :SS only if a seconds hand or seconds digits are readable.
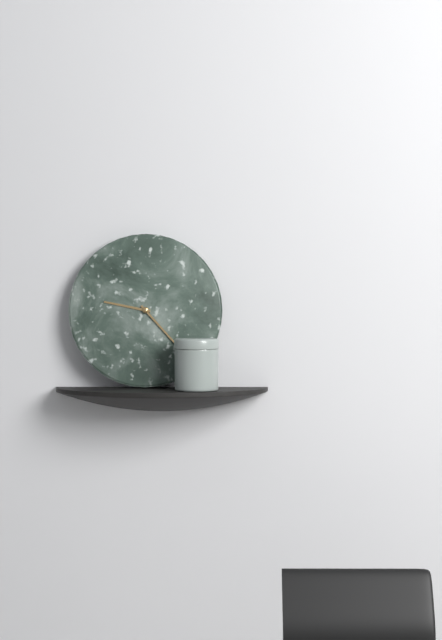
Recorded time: 9:23
